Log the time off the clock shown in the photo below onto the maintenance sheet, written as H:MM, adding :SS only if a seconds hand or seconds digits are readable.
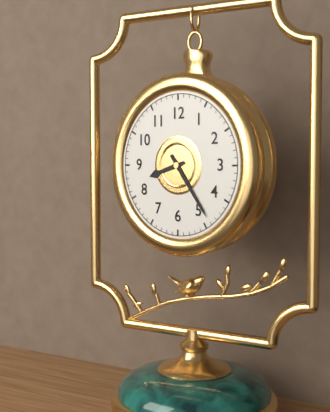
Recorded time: 8:24
